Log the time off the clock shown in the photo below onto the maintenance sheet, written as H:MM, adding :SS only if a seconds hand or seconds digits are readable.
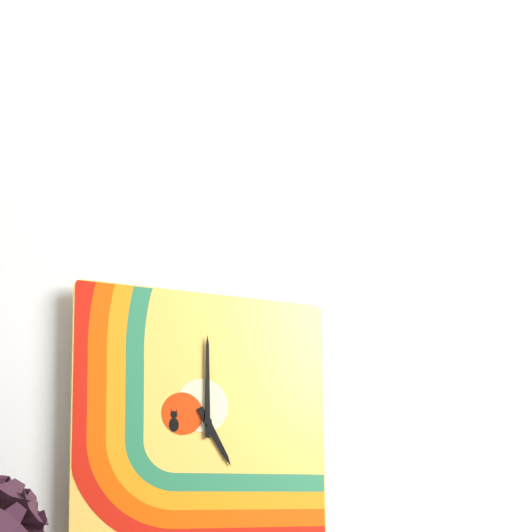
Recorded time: 5:00
